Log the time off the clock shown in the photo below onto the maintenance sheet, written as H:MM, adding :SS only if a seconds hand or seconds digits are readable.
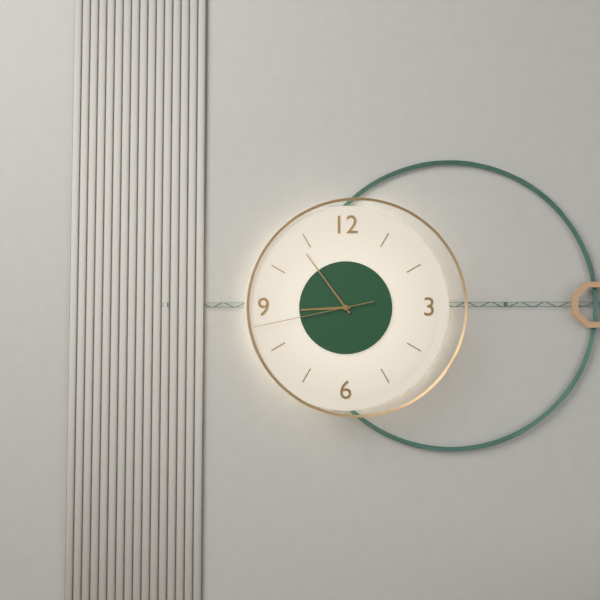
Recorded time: 8:54:43
